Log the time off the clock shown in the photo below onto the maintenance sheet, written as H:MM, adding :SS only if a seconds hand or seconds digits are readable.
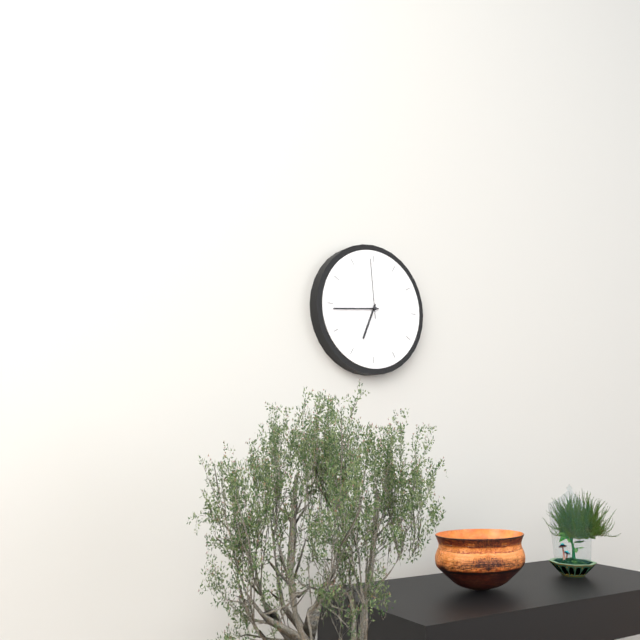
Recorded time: 6:44:59
